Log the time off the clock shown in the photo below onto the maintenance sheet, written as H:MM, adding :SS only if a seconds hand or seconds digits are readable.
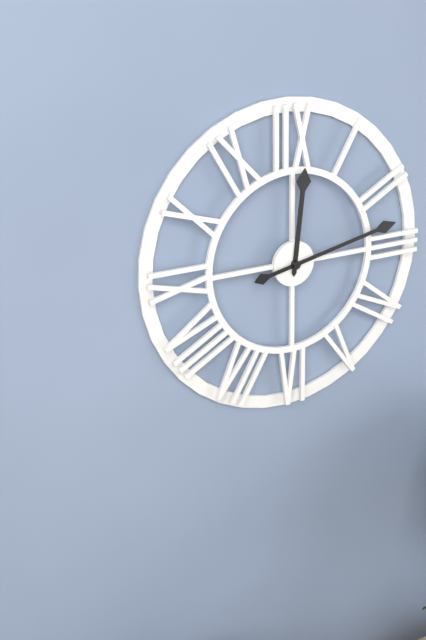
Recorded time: 12:13
